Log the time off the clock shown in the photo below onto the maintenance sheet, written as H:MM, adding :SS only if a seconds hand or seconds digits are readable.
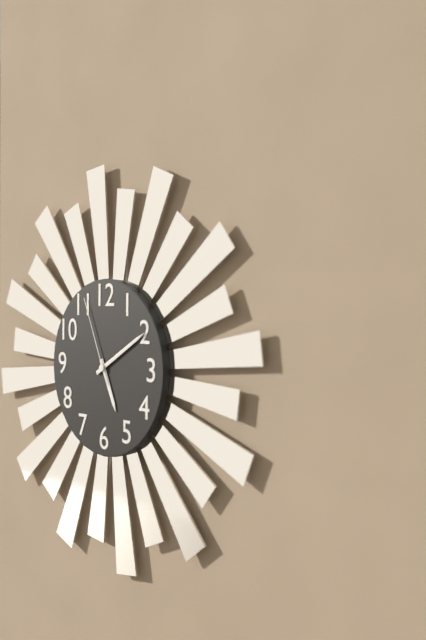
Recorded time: 5:10:56
